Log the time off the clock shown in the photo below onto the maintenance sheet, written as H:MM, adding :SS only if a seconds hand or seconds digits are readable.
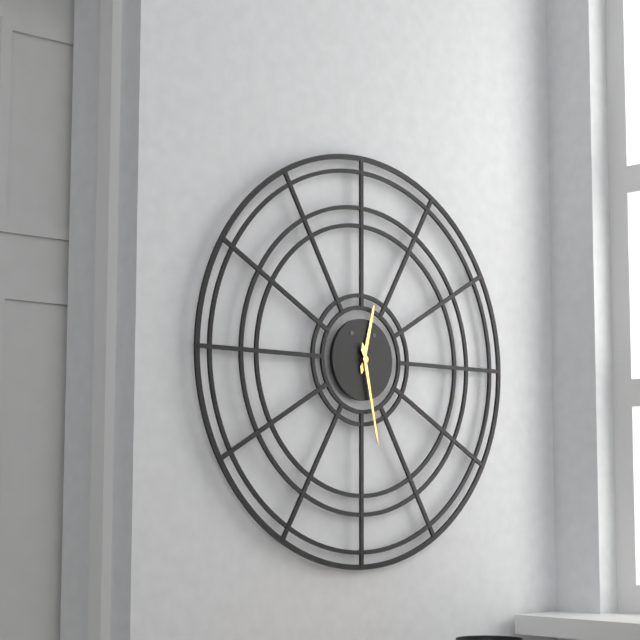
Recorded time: 12:28
